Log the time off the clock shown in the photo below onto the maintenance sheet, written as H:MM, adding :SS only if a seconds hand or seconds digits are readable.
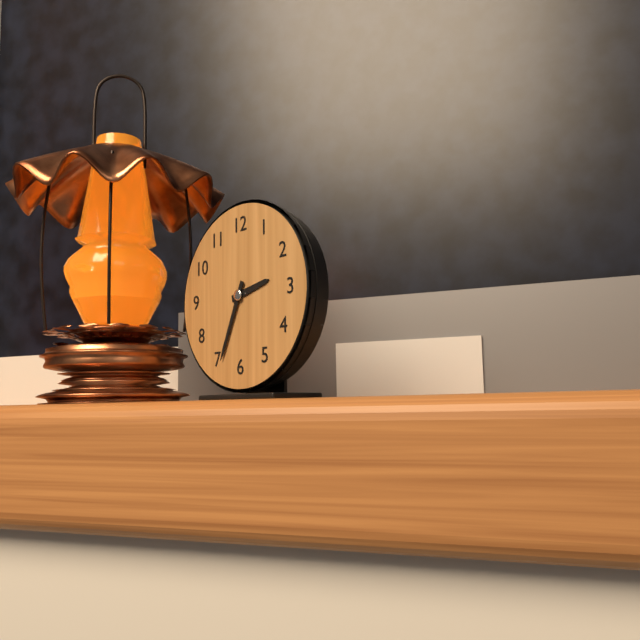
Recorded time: 2:34
